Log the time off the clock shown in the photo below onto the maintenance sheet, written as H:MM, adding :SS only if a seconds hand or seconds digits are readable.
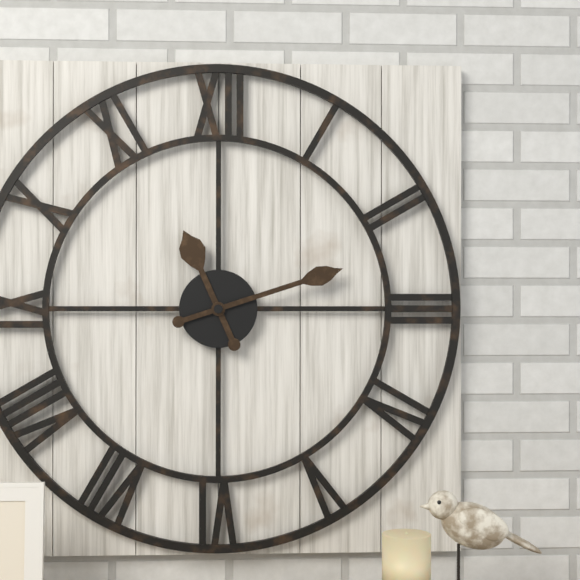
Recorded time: 11:12
